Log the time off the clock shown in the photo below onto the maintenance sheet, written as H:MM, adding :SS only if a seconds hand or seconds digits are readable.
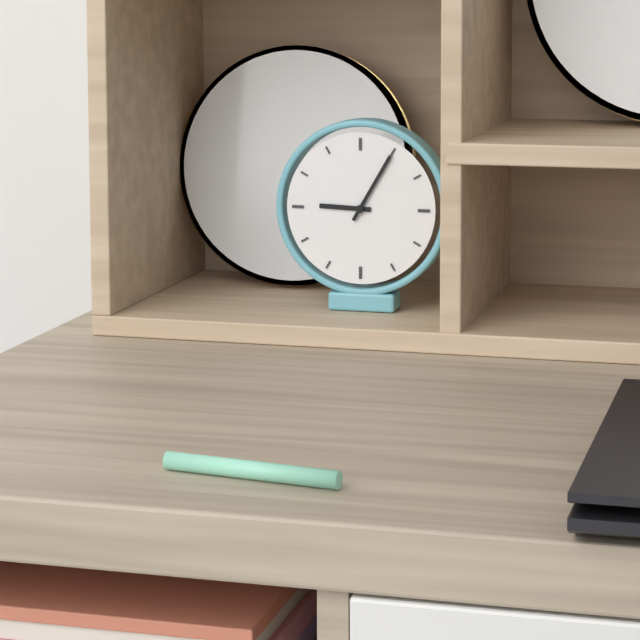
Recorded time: 9:05
